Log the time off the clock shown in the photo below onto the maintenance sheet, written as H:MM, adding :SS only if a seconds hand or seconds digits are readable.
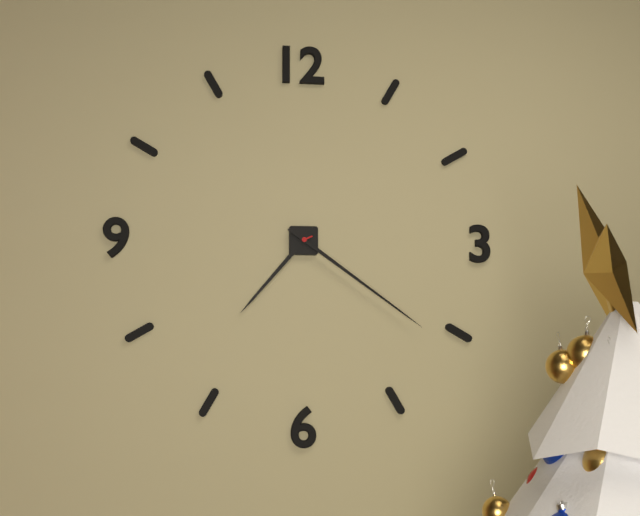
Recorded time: 7:21
